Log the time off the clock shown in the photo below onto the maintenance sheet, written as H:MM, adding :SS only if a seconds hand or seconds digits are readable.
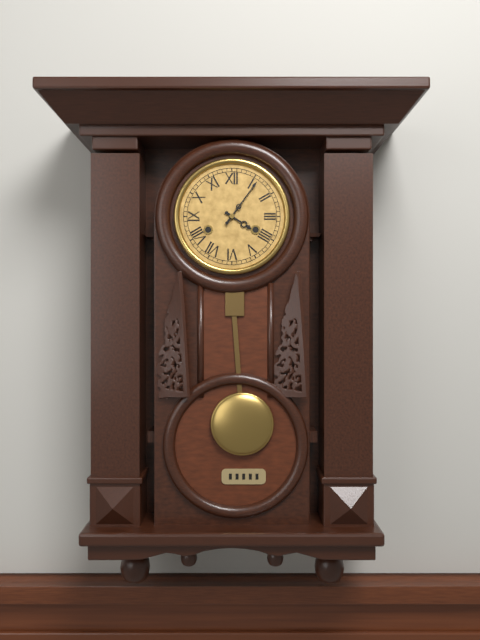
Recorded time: 4:06
